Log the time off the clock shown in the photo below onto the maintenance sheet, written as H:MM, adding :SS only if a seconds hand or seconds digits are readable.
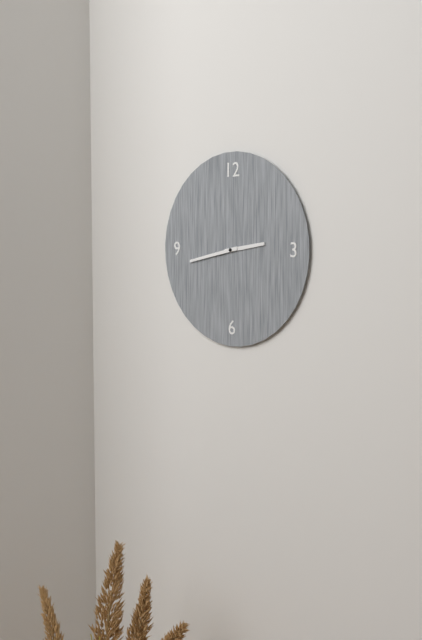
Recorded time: 2:43
